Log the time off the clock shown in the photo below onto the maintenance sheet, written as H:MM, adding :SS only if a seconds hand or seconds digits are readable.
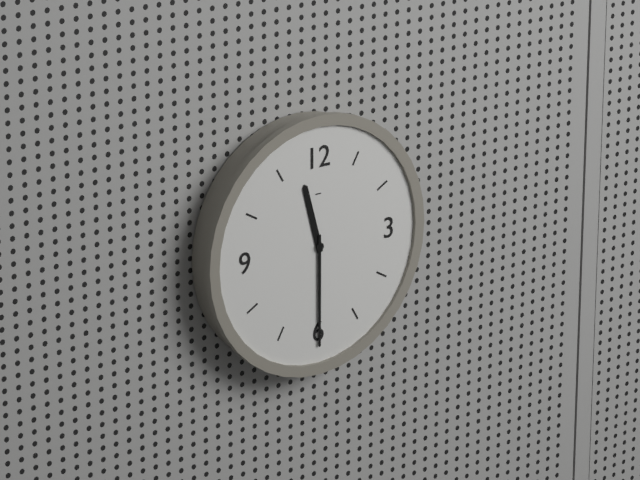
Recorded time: 11:30
